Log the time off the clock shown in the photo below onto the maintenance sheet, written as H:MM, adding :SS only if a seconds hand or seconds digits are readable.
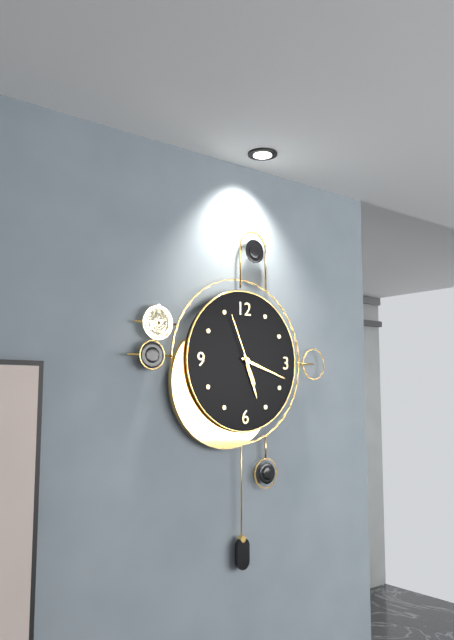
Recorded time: 5:18:56
